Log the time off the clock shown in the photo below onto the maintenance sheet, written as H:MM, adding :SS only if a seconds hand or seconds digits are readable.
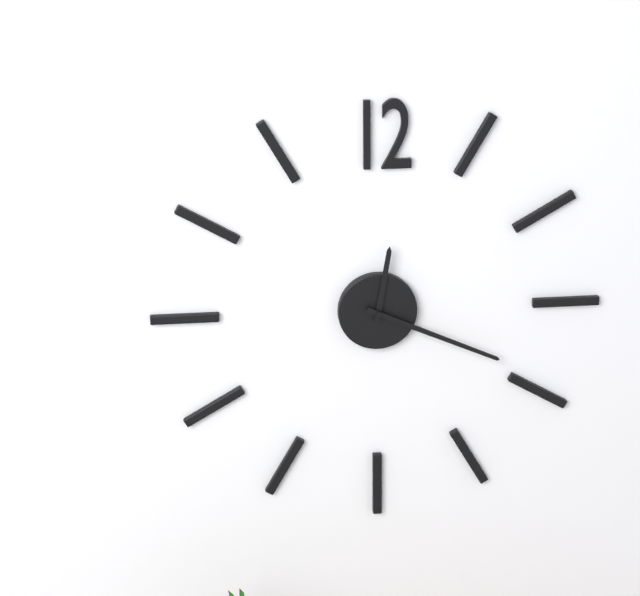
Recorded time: 12:19
